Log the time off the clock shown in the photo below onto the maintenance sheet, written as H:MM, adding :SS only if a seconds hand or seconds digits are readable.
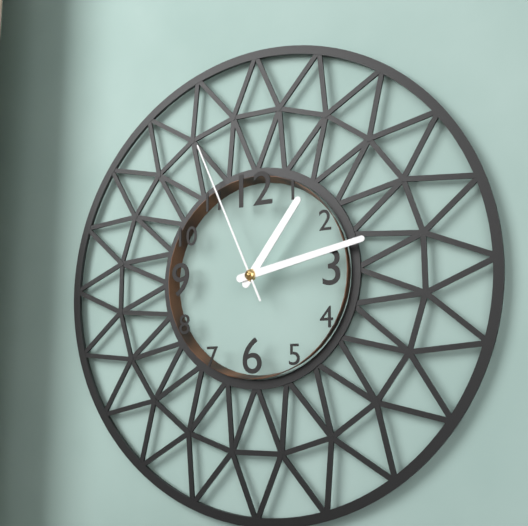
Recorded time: 1:13:56
